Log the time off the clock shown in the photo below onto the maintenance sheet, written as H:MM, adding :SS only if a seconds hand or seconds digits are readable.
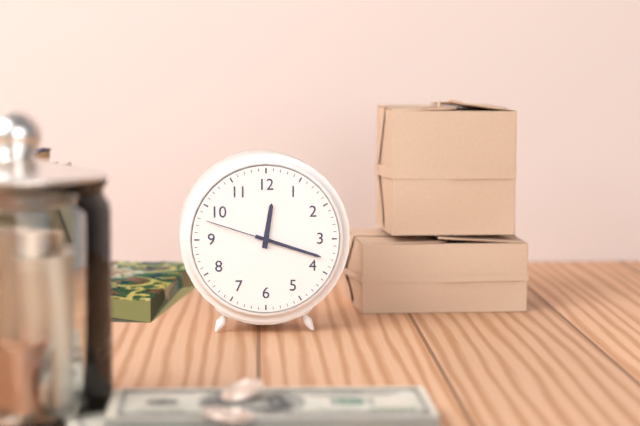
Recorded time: 12:18:48
